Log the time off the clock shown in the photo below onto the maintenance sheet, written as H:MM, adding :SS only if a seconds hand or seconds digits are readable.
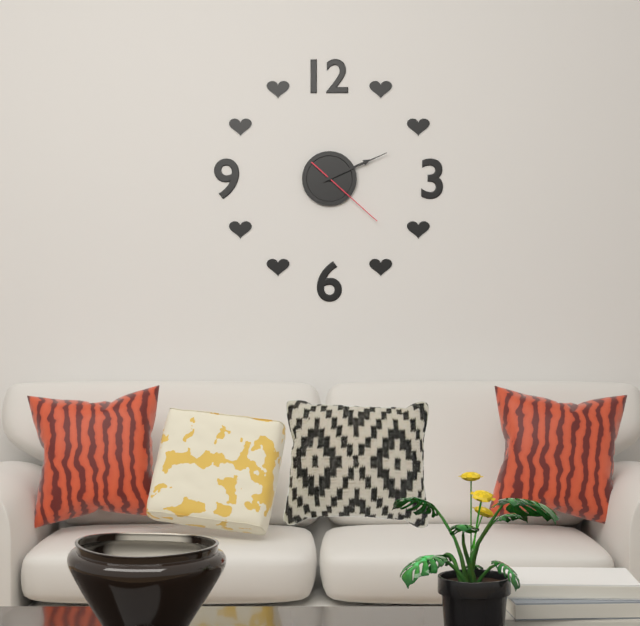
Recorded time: 2:11:22
